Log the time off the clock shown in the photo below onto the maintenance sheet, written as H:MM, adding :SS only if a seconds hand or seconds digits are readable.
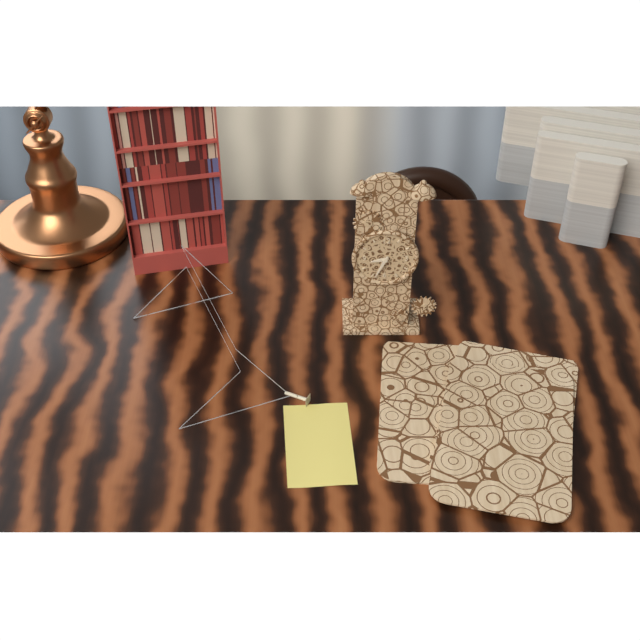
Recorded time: 8:34
